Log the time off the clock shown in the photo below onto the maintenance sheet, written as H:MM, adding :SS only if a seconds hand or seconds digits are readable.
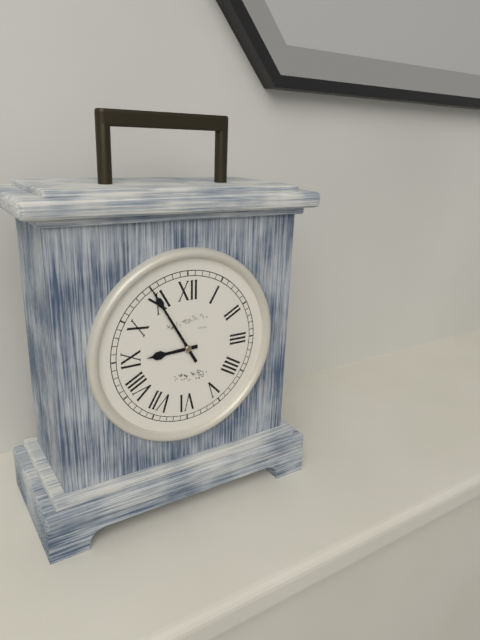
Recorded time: 8:55
